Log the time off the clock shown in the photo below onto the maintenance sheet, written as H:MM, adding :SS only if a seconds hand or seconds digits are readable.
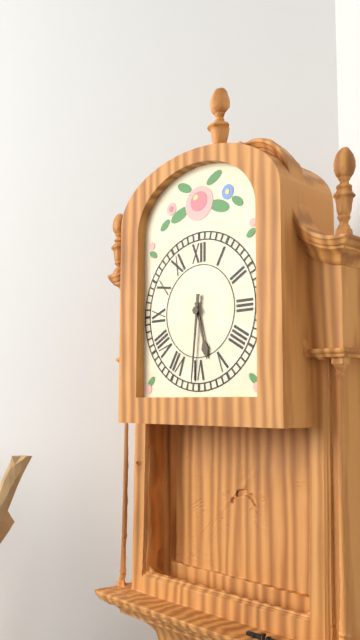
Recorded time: 5:31
